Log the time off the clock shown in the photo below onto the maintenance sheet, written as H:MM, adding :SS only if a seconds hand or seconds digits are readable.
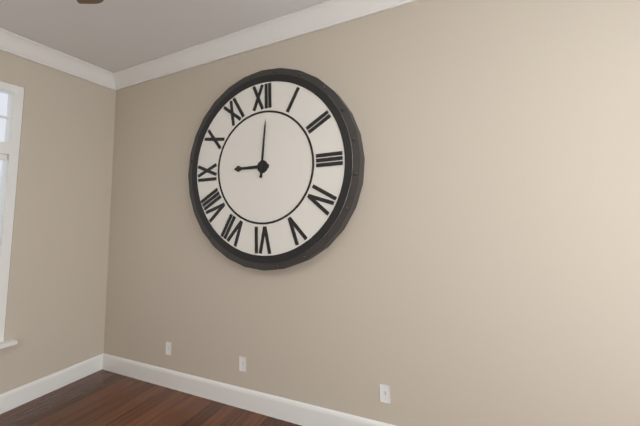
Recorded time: 9:01
